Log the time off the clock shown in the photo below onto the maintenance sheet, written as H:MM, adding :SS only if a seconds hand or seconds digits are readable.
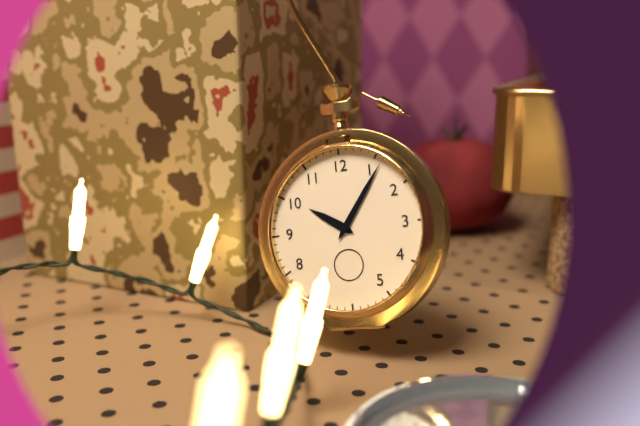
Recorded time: 10:06
